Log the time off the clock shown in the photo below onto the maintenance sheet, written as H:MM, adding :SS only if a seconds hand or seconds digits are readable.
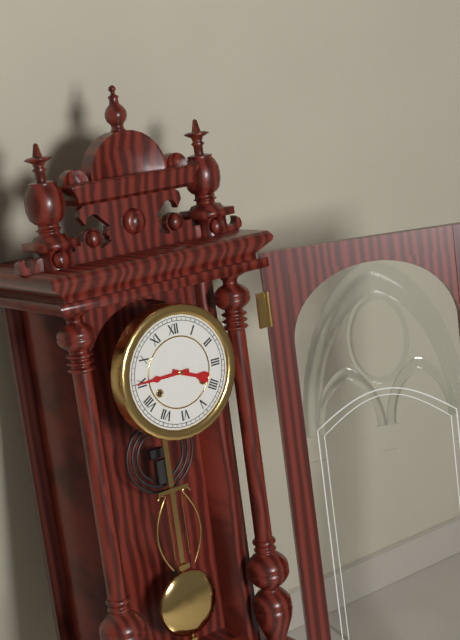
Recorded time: 3:45
